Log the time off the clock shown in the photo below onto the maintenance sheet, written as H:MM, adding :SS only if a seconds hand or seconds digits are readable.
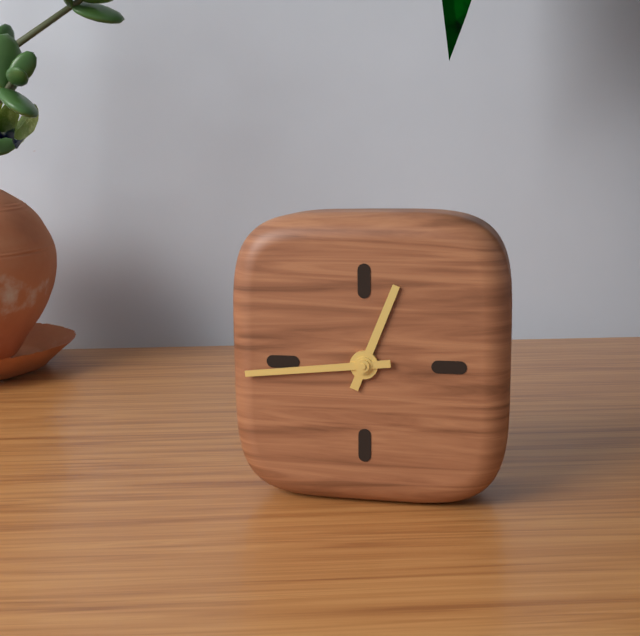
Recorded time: 12:44
